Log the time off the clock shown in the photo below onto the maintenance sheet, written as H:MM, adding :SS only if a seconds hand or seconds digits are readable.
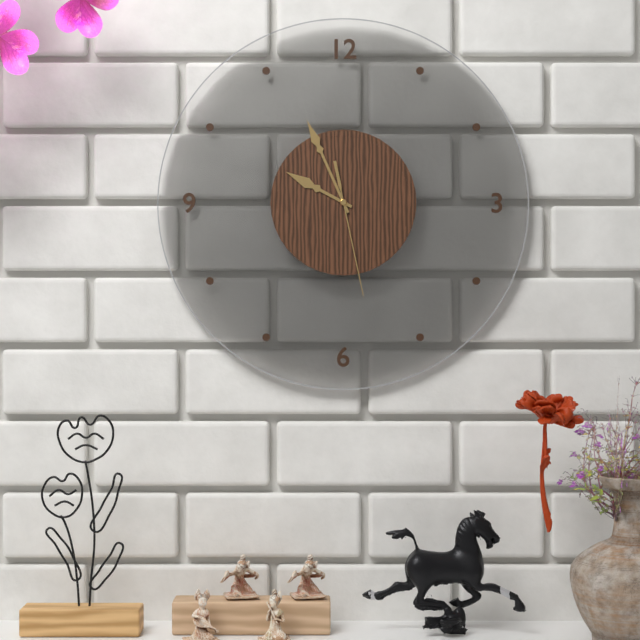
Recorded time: 9:56:28
